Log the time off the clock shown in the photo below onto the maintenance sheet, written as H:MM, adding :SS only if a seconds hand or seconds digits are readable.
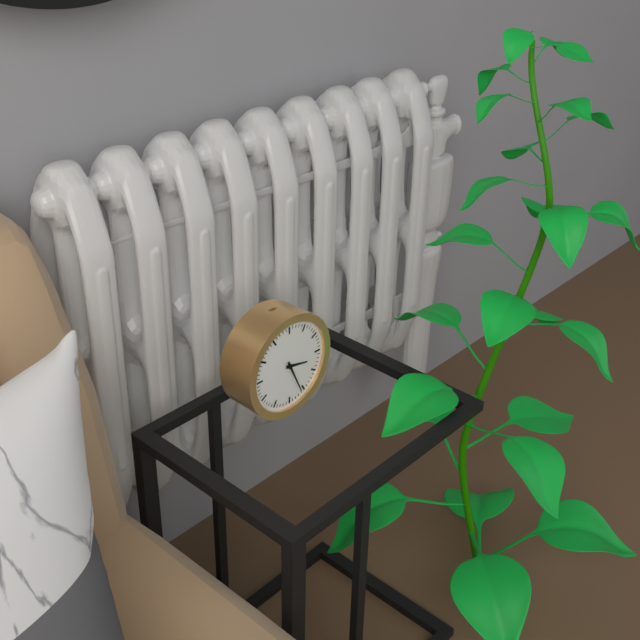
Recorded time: 3:26
